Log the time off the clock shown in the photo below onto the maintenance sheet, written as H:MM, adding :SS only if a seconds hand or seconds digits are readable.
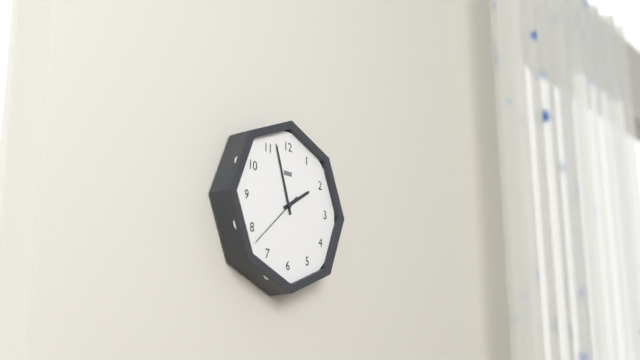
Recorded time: 1:57:38
